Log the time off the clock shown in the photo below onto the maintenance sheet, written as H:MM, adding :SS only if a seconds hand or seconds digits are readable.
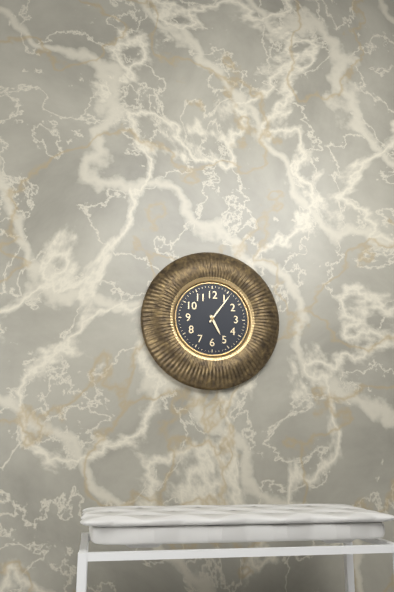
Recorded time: 5:06
